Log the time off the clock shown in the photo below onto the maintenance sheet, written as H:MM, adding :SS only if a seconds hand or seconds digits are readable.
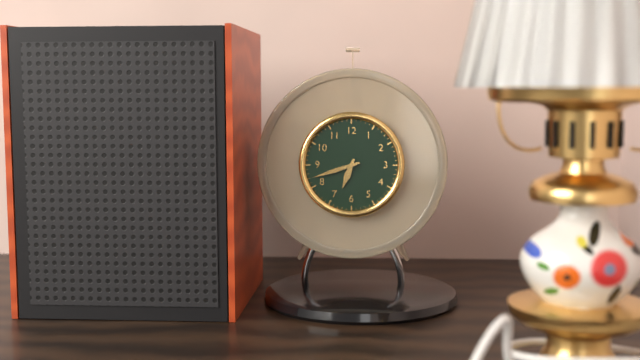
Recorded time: 6:42
